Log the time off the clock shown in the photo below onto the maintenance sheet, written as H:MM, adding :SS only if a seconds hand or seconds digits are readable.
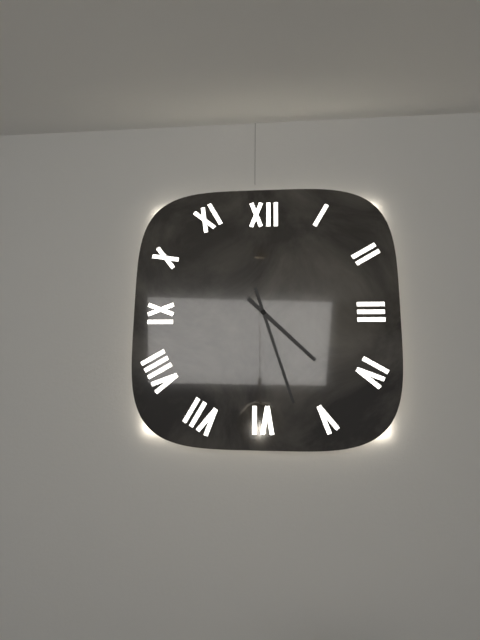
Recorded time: 4:27
